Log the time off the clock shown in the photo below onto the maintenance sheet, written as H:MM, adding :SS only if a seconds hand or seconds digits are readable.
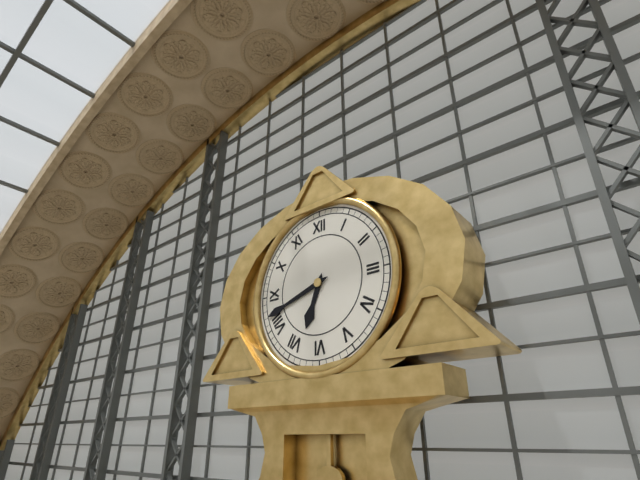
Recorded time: 6:42
